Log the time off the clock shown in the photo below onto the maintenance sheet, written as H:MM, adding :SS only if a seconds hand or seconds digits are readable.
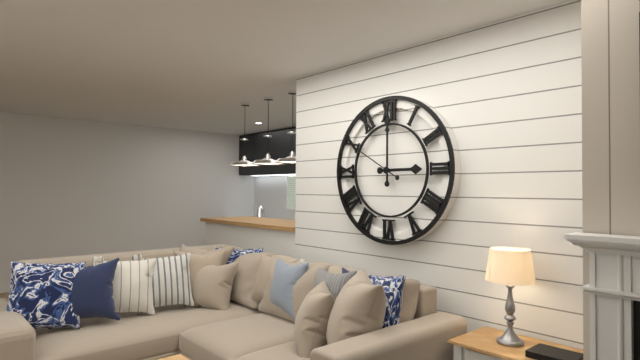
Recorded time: 3:00
